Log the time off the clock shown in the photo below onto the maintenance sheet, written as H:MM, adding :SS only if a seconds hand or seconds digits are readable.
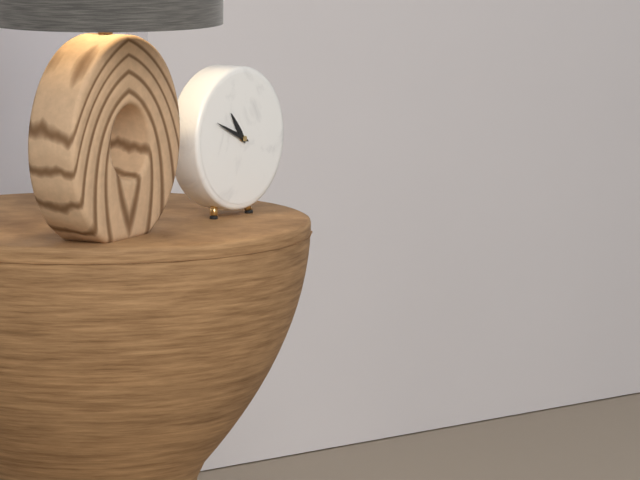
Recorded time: 10:49
